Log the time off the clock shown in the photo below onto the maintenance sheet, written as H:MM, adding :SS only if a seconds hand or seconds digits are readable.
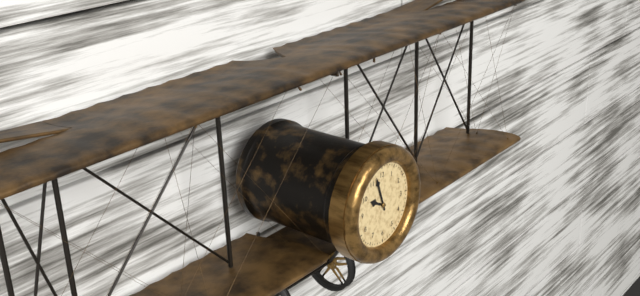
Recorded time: 9:57
